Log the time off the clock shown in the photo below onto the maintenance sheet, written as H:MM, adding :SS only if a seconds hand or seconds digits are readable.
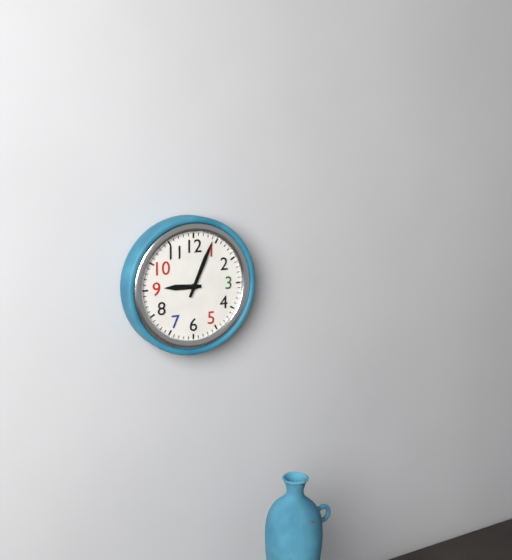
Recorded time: 9:04
